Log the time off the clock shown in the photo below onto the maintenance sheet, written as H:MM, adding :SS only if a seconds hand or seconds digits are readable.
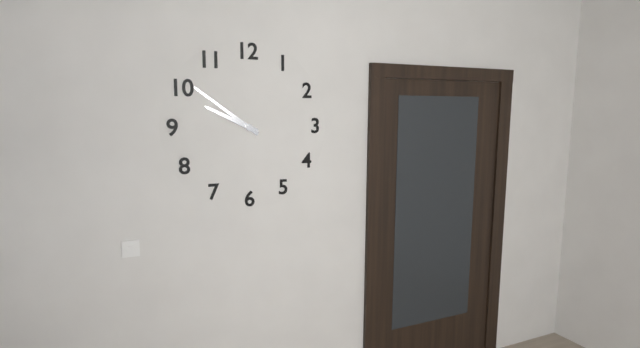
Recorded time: 9:51
